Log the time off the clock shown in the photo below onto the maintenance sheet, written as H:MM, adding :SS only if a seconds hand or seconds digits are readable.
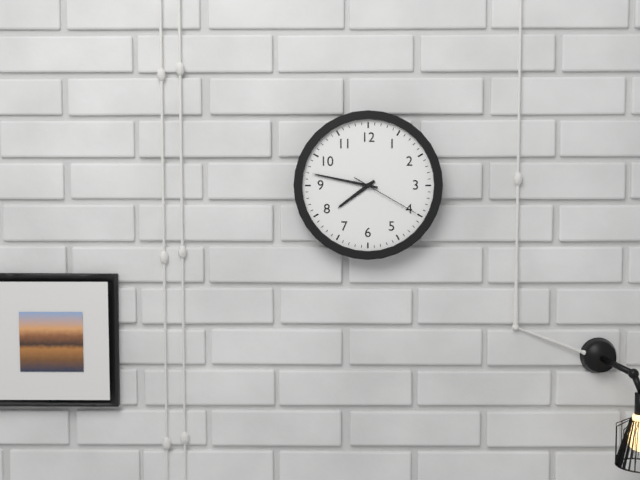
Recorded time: 7:47:20
